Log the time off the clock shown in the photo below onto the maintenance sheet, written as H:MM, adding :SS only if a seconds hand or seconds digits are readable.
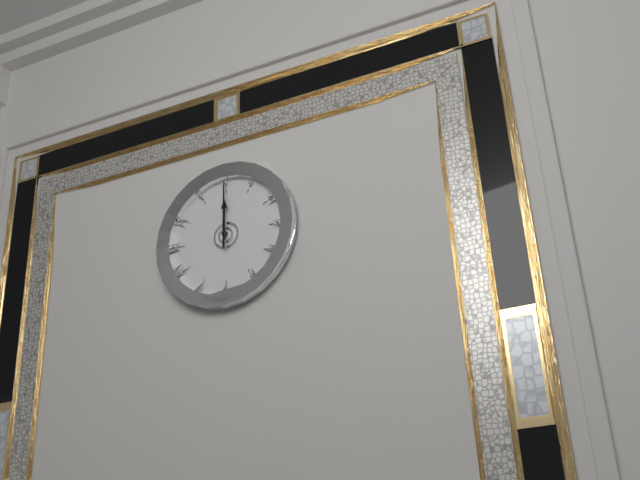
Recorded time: 12:00
